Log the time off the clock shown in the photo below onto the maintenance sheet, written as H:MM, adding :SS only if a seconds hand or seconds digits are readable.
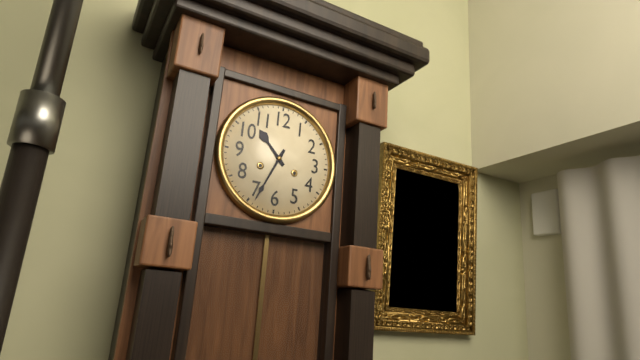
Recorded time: 10:34
